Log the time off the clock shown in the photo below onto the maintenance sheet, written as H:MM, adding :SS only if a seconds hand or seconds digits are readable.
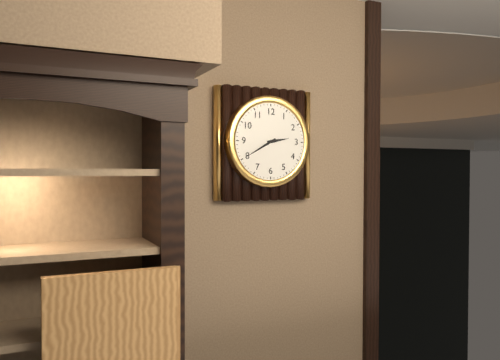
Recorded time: 2:40
